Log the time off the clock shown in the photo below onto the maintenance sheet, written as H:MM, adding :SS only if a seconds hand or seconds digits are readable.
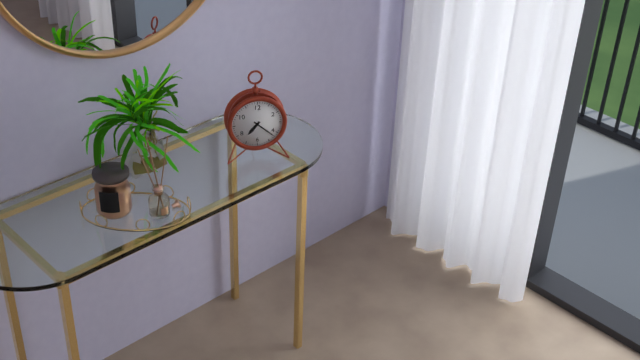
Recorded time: 7:22
